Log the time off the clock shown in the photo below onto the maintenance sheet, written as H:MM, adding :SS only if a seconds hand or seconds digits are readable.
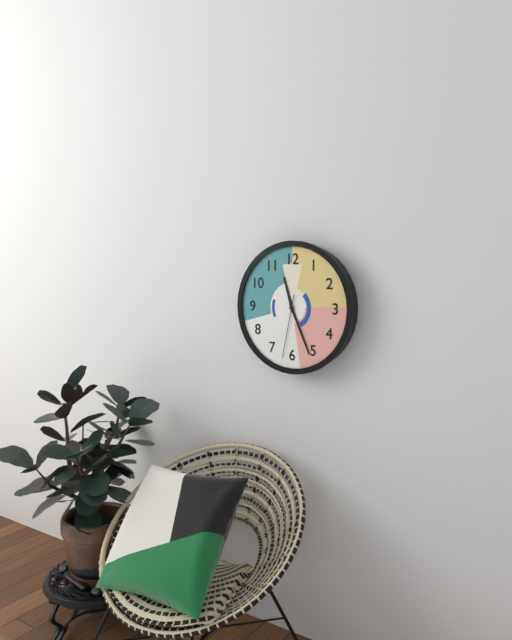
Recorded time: 11:26:32
